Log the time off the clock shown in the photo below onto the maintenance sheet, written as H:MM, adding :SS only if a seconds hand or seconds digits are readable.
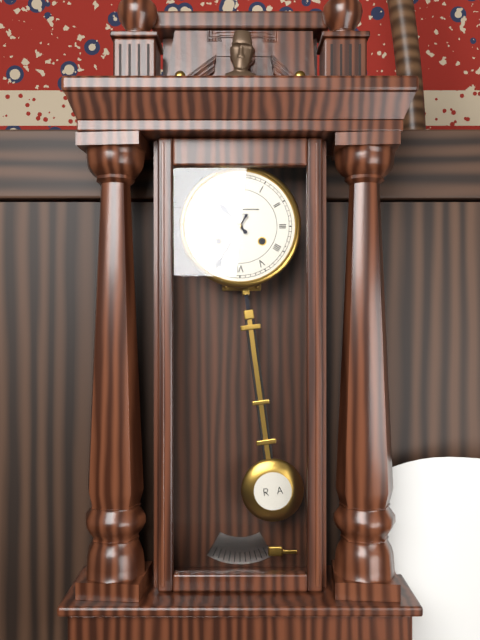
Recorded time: 10:35
